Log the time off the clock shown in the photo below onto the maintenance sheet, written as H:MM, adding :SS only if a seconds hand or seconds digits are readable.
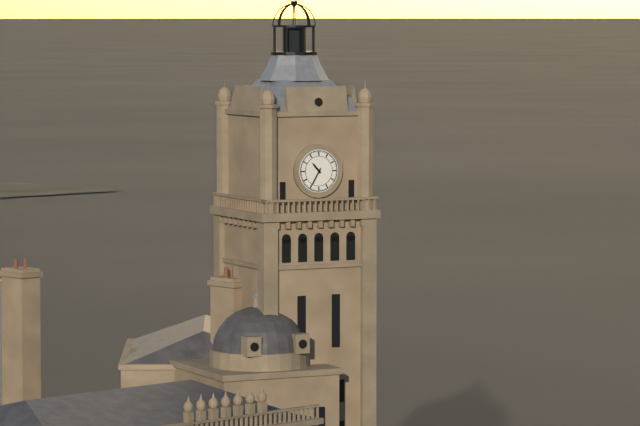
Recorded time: 10:35
